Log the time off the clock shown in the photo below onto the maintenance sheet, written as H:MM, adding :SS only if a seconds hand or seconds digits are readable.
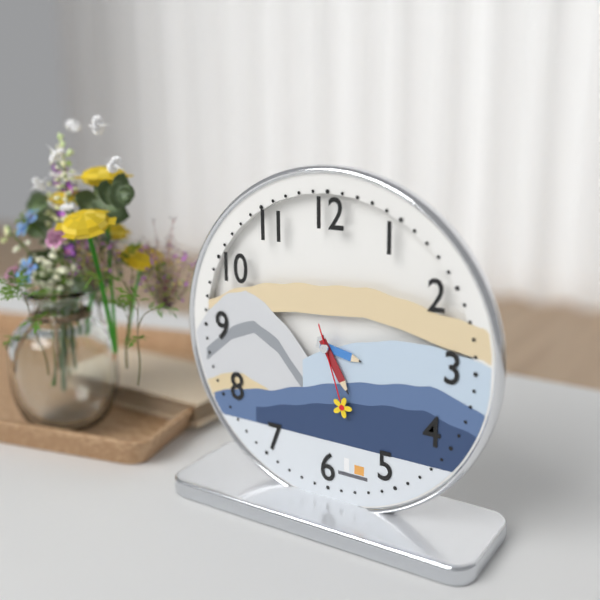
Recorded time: 3:25:27
